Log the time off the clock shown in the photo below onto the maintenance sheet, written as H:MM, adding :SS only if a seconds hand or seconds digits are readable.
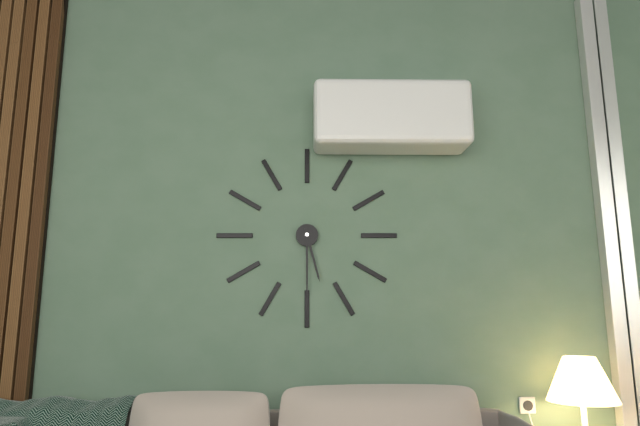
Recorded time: 5:30
